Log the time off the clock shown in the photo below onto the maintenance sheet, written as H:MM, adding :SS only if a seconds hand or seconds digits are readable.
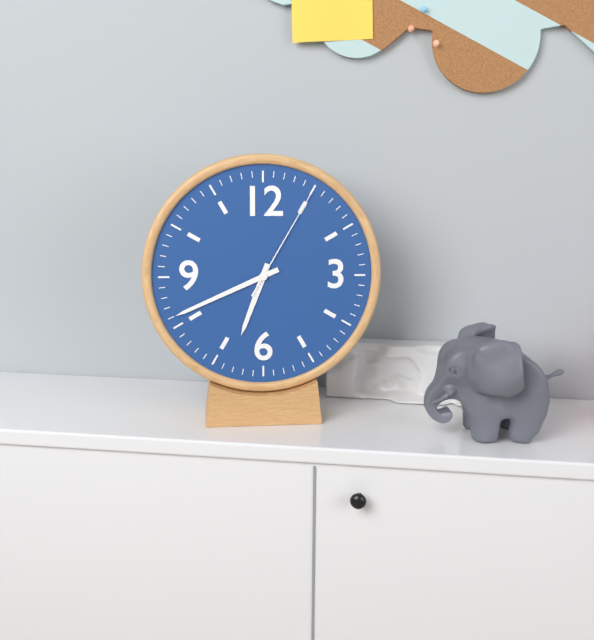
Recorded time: 6:41:05
